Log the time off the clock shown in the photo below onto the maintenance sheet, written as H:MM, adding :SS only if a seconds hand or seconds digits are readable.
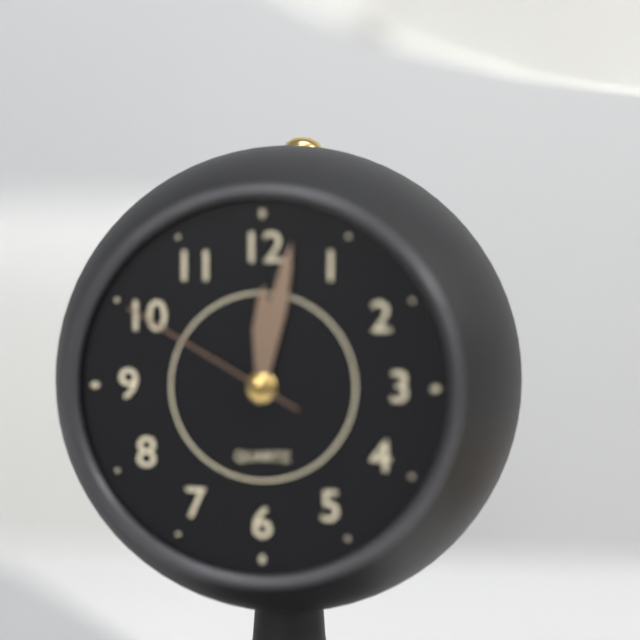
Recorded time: 12:02:50
